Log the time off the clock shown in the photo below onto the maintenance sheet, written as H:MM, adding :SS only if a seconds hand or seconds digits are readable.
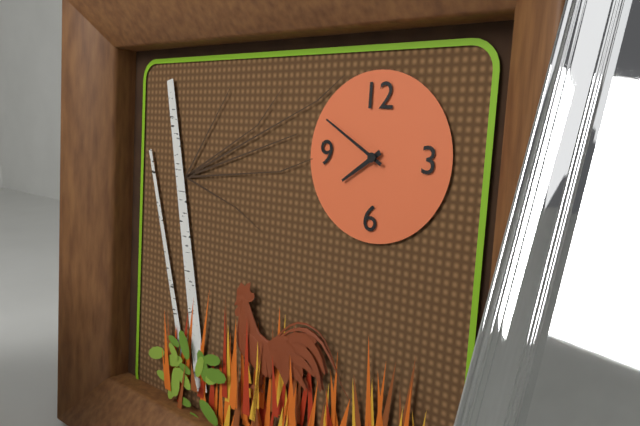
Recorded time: 7:50
